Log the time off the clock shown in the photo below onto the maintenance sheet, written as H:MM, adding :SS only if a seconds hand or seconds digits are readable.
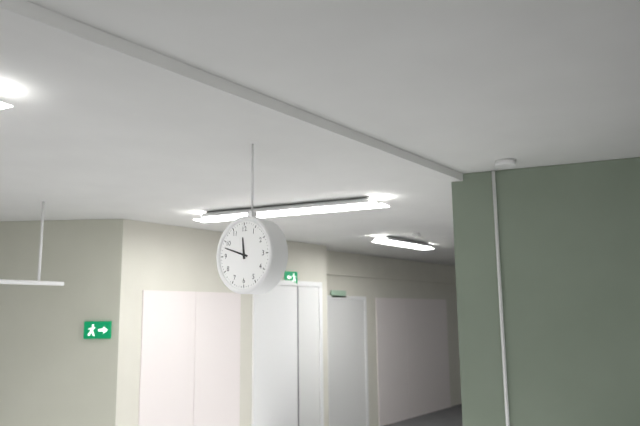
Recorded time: 11:48
